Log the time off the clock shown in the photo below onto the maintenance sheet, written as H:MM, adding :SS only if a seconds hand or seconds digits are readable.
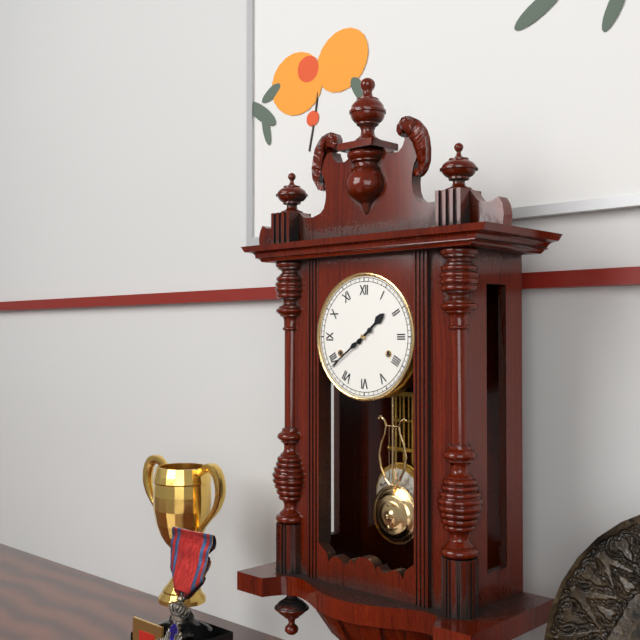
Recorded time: 1:39
